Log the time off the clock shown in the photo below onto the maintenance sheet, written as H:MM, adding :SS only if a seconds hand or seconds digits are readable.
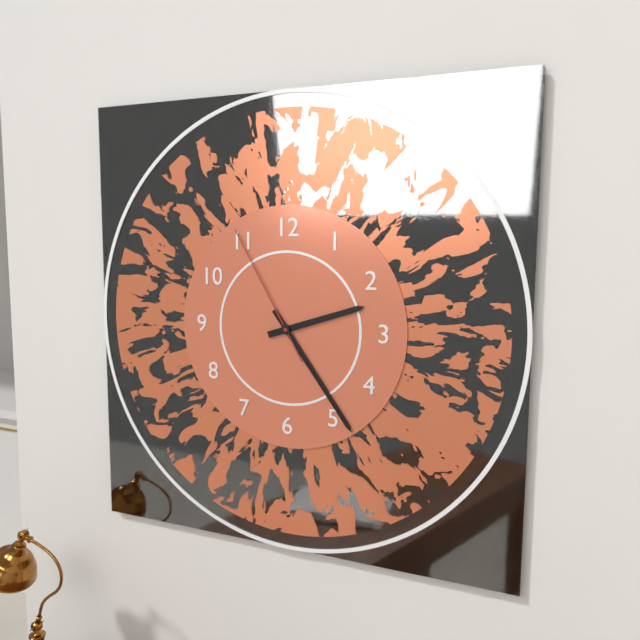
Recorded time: 2:24:55
